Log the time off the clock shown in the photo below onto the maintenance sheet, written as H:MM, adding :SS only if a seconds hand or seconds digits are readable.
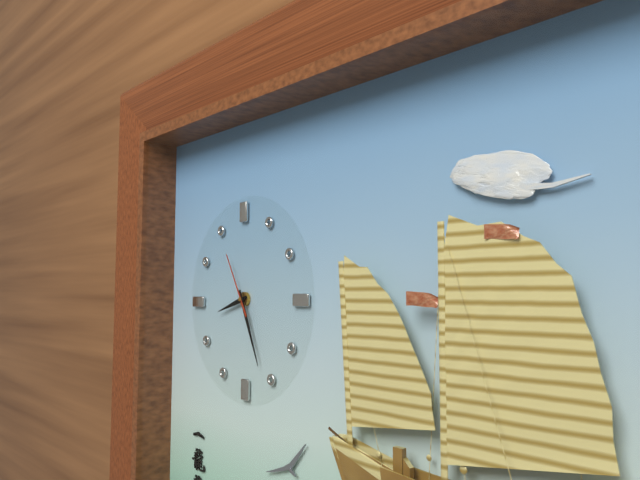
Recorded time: 8:26:55
